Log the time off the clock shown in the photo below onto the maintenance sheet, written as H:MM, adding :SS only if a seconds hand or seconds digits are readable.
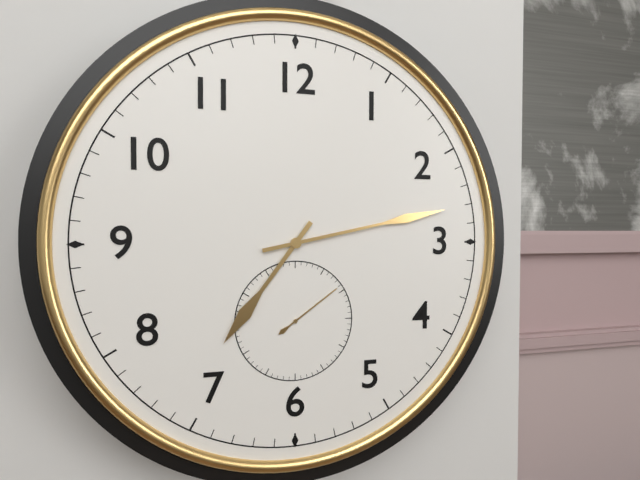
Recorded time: 7:13:09
